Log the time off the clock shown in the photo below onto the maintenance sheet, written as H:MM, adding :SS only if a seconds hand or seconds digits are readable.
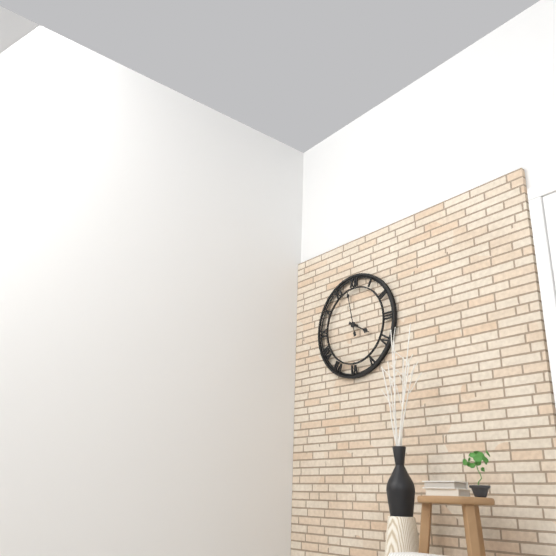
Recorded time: 3:58
